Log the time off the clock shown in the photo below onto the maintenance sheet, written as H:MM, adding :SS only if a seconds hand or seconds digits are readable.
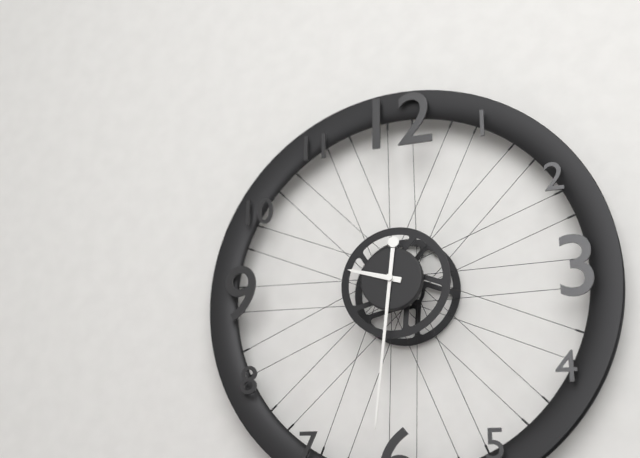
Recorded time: 9:31
